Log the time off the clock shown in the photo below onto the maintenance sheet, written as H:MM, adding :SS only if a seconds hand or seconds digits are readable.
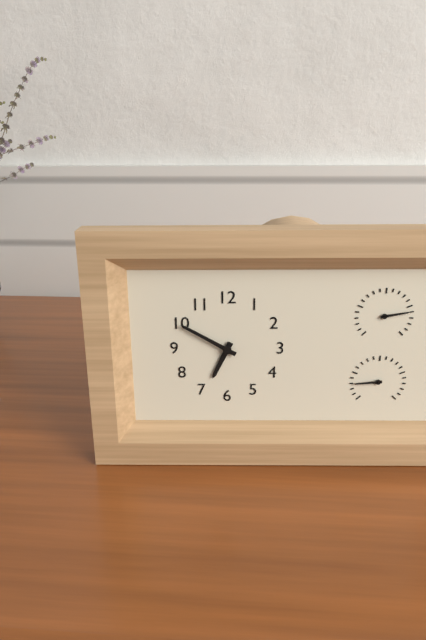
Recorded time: 6:50
